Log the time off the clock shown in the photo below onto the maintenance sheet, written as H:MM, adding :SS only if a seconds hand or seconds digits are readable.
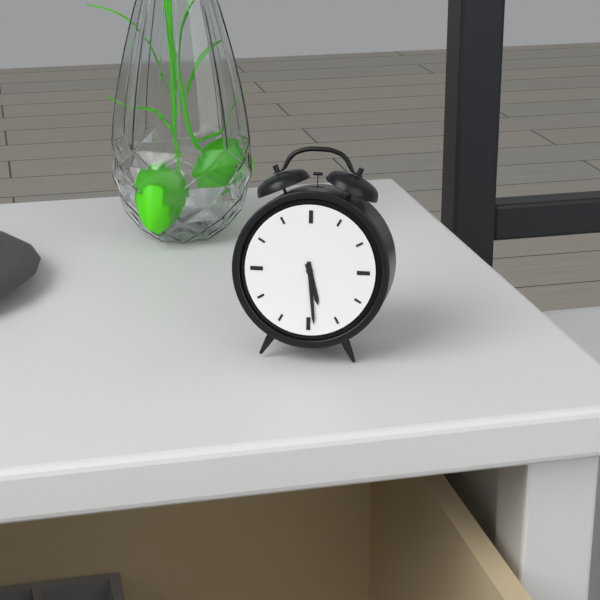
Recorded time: 5:29
